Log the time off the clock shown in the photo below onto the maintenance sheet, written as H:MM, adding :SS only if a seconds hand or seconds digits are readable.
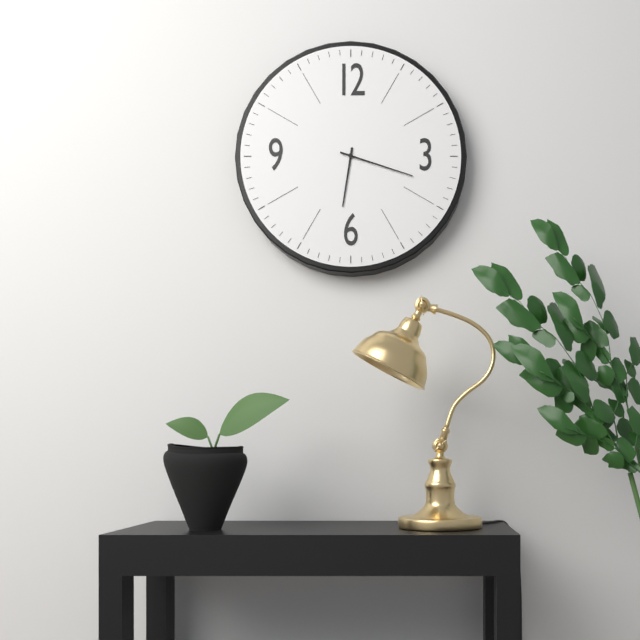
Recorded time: 6:18
